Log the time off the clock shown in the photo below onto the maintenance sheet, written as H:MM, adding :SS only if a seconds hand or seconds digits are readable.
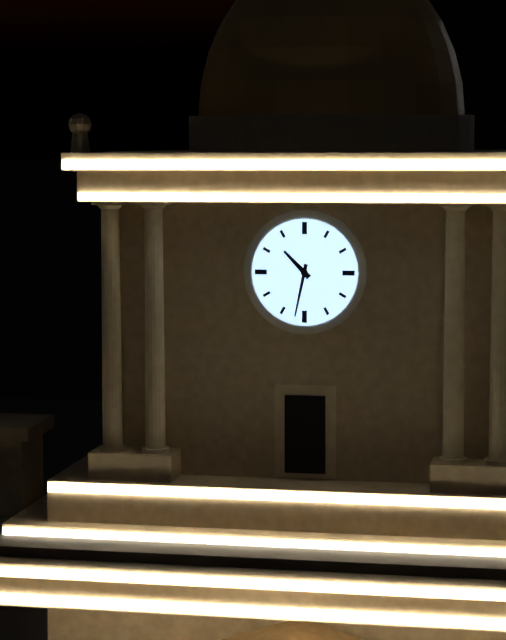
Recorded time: 10:32
